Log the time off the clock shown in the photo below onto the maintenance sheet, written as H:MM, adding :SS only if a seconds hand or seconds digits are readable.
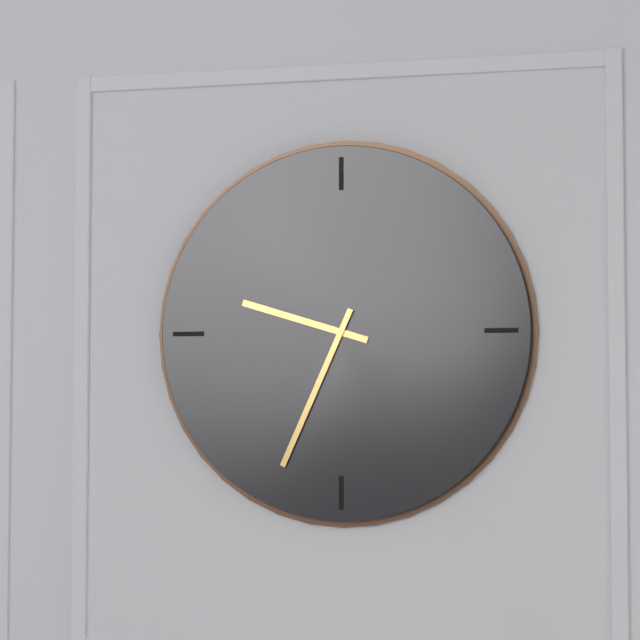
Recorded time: 9:34
